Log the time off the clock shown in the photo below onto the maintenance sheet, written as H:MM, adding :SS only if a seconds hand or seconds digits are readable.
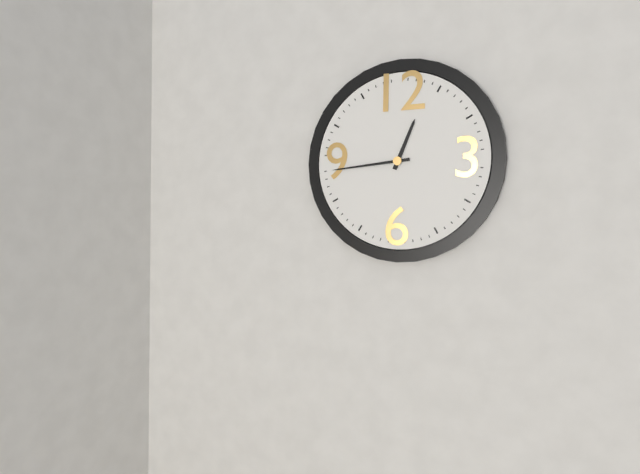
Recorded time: 12:44
